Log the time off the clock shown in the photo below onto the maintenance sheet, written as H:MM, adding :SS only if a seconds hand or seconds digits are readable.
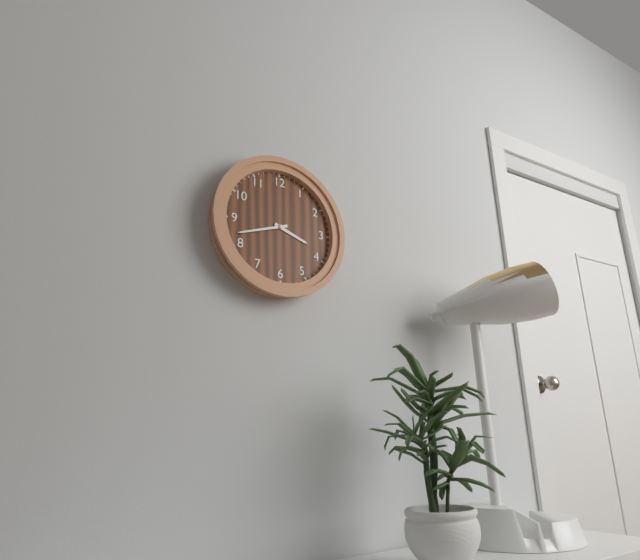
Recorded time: 3:42
